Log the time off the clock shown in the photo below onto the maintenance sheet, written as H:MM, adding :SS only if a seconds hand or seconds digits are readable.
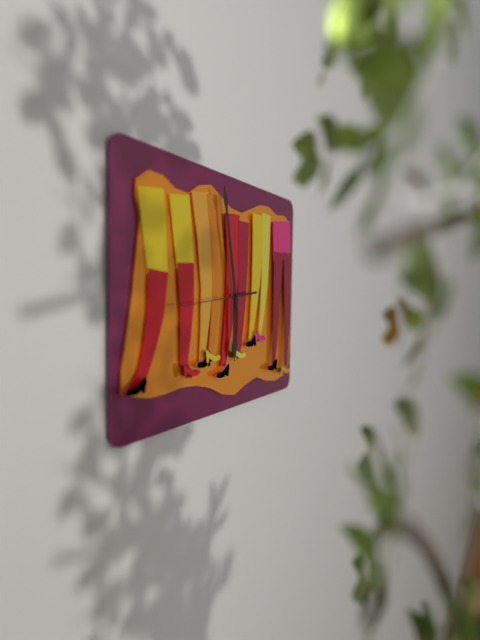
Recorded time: 5:58:44
